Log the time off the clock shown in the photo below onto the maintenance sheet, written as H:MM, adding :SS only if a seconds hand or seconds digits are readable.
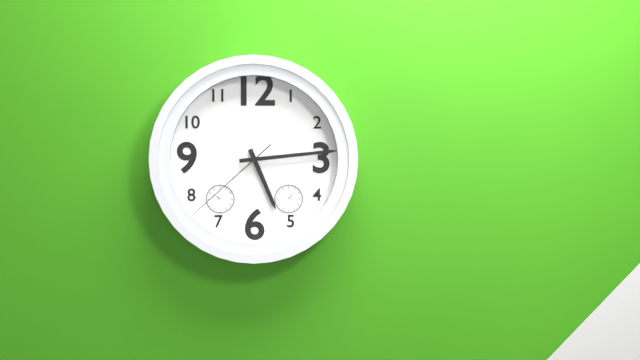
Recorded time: 5:14:38
